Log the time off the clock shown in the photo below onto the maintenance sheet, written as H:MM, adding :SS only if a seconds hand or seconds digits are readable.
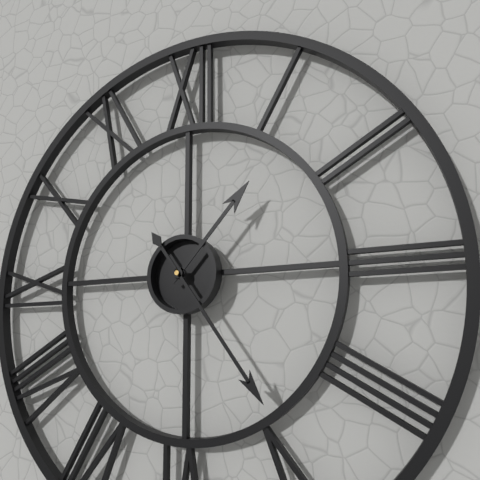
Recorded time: 1:24
